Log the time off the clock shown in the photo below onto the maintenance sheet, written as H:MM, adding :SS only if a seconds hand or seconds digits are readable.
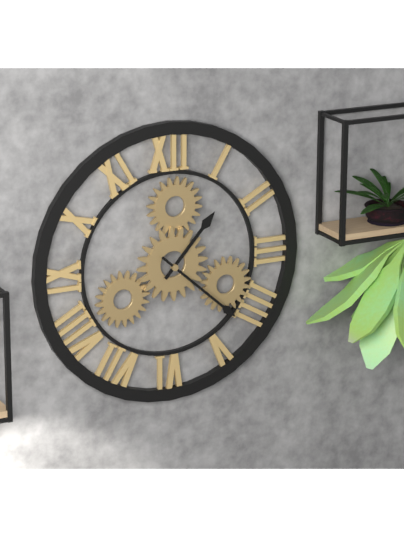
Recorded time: 1:22
